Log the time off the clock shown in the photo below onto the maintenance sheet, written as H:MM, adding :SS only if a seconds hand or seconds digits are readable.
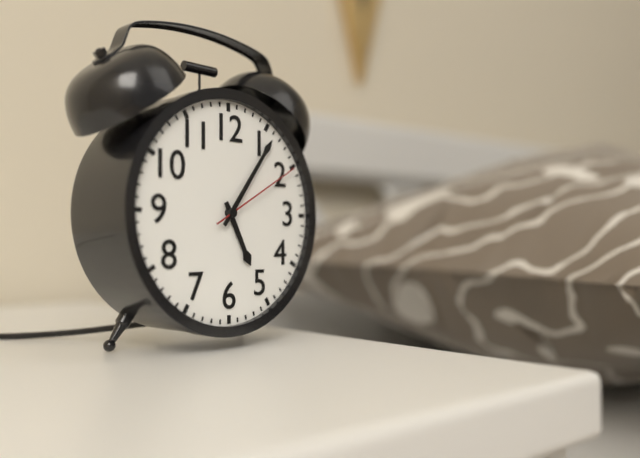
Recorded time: 5:06:10
